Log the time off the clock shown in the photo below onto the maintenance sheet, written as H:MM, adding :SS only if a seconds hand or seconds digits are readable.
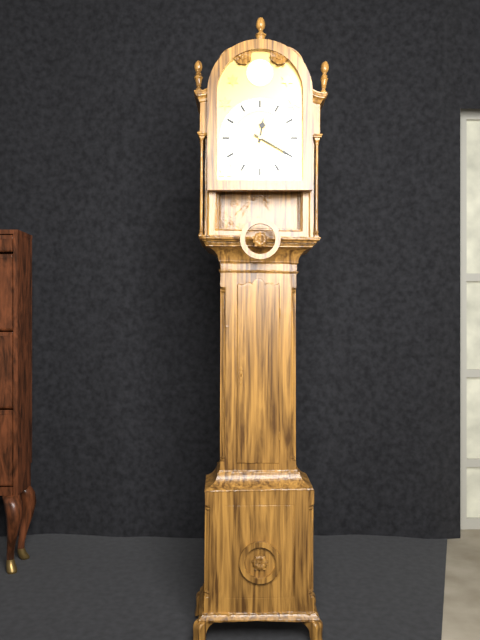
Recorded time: 12:20
